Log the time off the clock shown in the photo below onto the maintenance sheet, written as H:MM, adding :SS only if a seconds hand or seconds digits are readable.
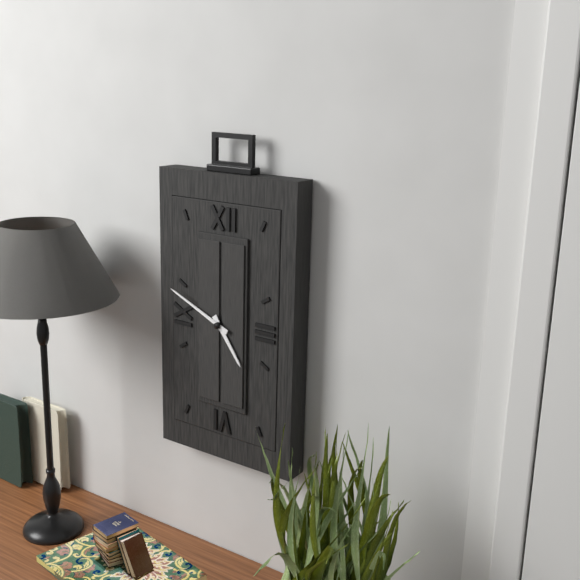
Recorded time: 4:49
